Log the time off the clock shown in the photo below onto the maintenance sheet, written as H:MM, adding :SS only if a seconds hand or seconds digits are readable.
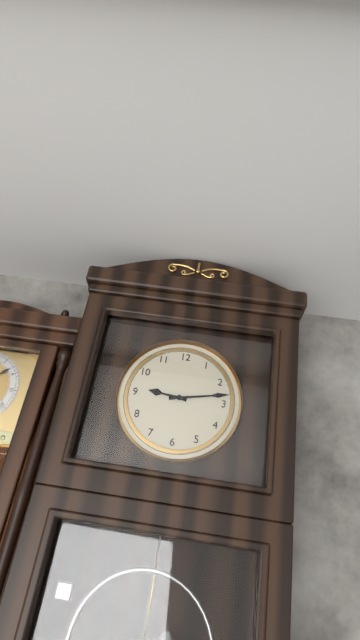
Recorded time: 9:13
